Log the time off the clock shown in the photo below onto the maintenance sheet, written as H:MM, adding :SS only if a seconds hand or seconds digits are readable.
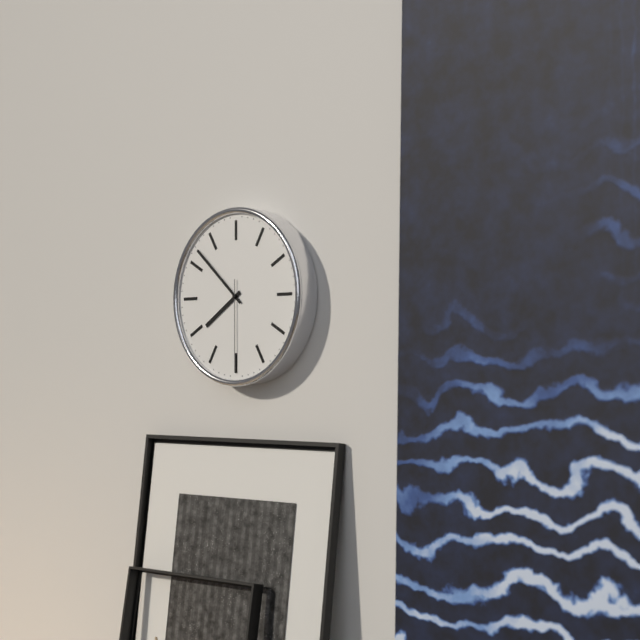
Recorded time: 7:52:30
